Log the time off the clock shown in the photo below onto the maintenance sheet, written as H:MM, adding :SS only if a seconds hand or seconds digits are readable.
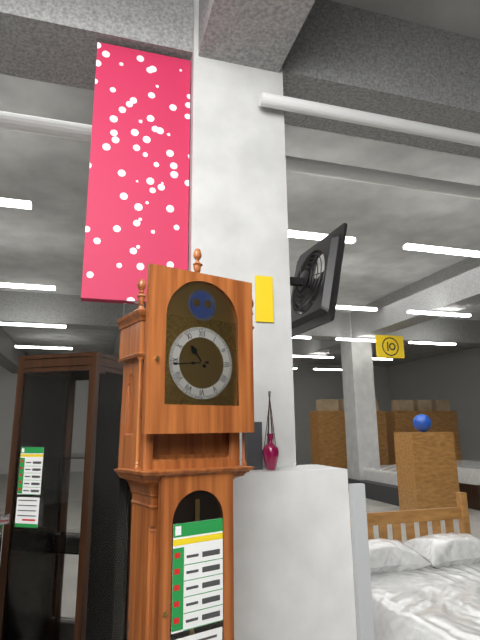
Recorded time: 10:44
